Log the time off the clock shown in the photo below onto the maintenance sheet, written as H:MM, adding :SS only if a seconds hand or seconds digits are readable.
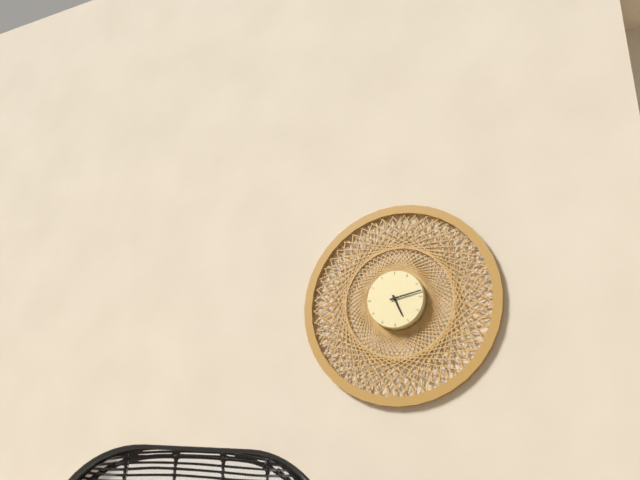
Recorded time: 5:13
